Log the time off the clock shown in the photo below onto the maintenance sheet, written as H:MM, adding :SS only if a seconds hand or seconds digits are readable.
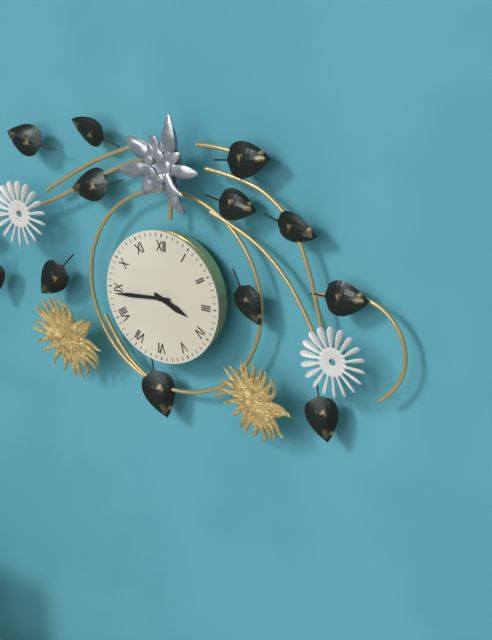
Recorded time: 3:44
